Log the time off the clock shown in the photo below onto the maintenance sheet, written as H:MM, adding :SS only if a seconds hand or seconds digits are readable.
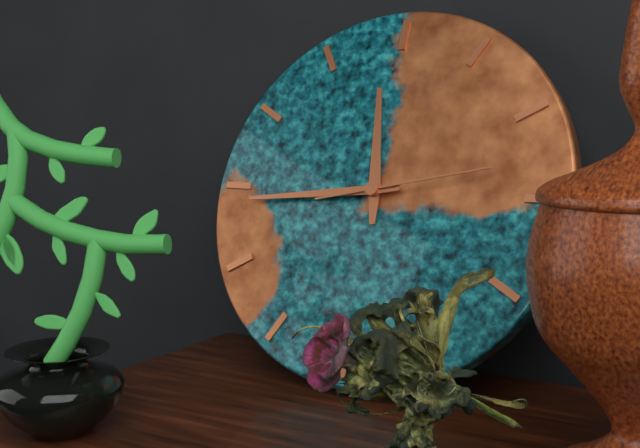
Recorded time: 11:44:13
